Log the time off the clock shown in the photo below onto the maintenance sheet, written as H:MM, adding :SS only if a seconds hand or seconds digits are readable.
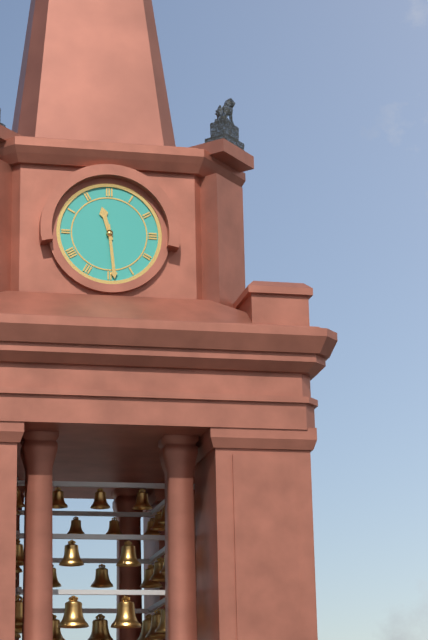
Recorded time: 11:29
